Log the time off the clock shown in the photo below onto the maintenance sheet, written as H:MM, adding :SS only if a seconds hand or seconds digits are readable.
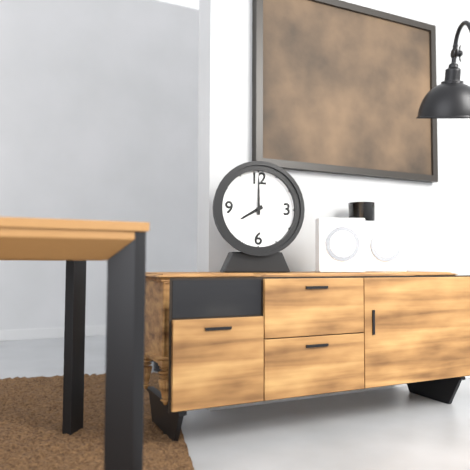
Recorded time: 8:00
